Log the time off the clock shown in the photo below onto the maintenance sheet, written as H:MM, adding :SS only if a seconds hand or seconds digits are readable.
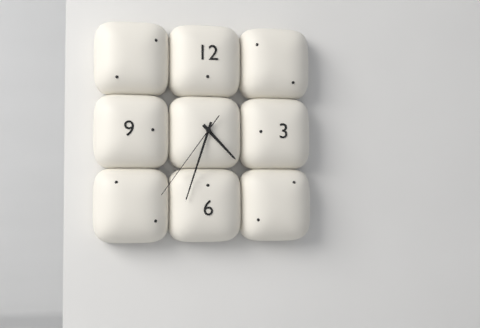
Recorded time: 4:33:36
